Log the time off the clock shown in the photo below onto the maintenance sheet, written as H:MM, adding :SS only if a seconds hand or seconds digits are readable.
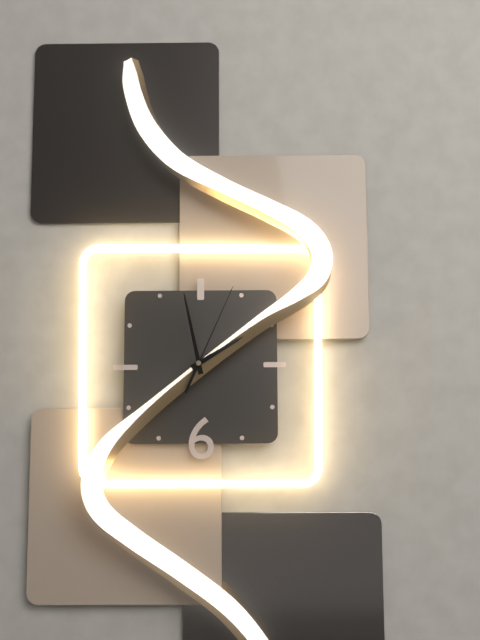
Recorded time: 1:58:04
